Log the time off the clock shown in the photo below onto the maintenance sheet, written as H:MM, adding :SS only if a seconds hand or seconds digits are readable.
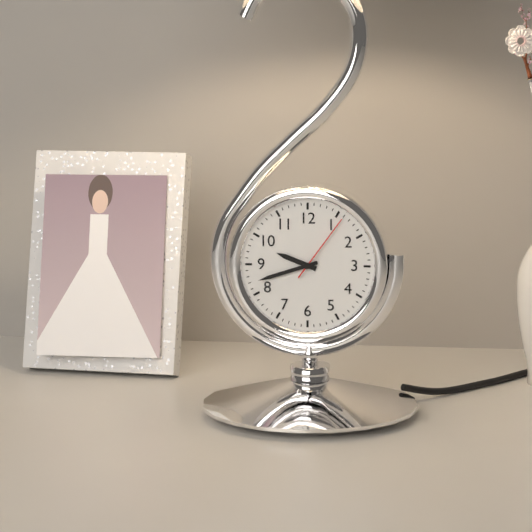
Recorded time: 9:42:06
